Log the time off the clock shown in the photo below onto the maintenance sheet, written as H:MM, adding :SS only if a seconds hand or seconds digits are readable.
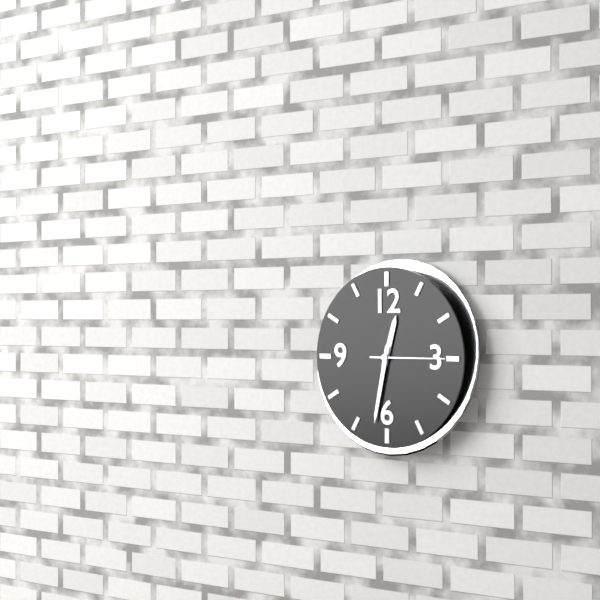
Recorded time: 12:32:15
